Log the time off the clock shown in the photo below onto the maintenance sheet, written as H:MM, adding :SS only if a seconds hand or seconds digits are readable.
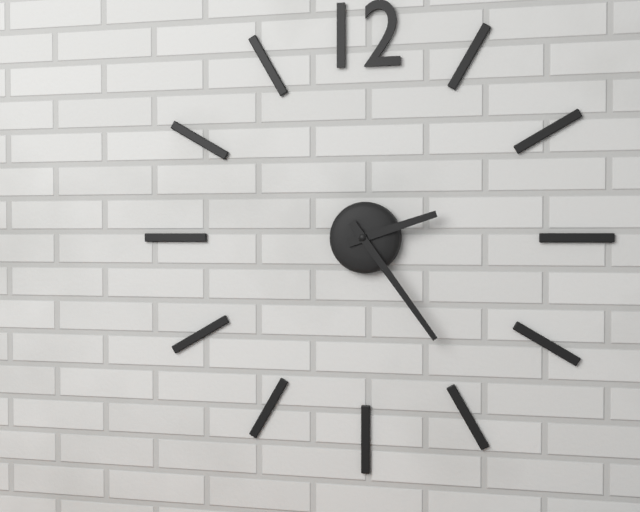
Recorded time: 2:24
